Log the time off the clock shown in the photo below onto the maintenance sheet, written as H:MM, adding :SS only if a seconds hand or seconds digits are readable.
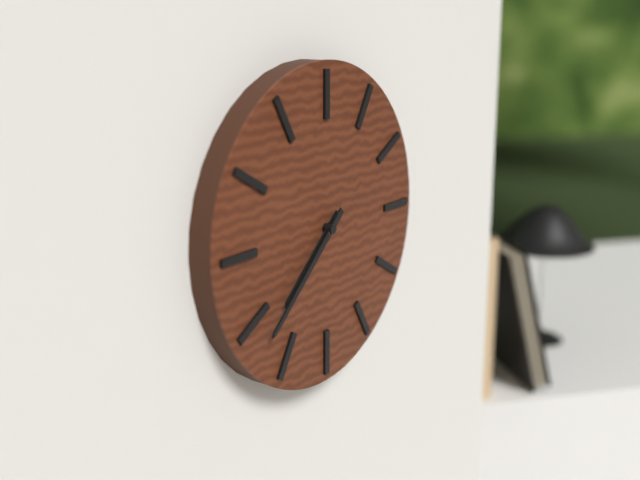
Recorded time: 7:38
